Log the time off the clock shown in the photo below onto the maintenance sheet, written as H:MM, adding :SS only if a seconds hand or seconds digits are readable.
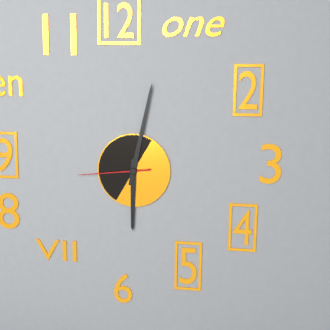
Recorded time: 6:02:44
